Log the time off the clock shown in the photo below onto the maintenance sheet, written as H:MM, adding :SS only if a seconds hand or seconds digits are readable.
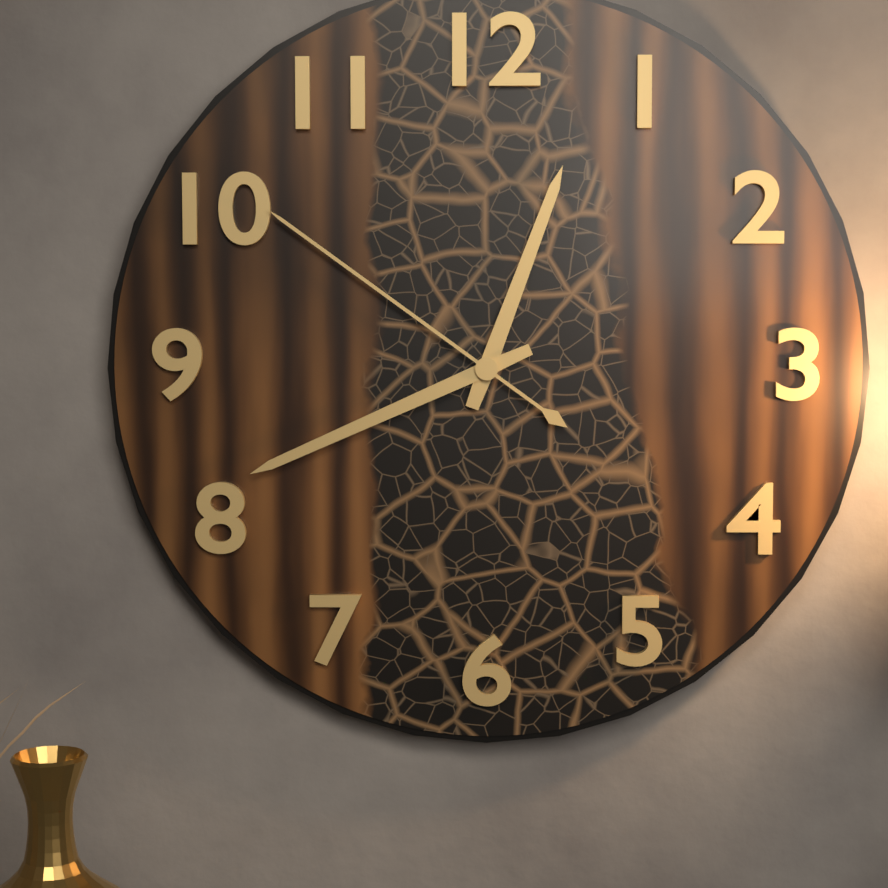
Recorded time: 12:41:51
